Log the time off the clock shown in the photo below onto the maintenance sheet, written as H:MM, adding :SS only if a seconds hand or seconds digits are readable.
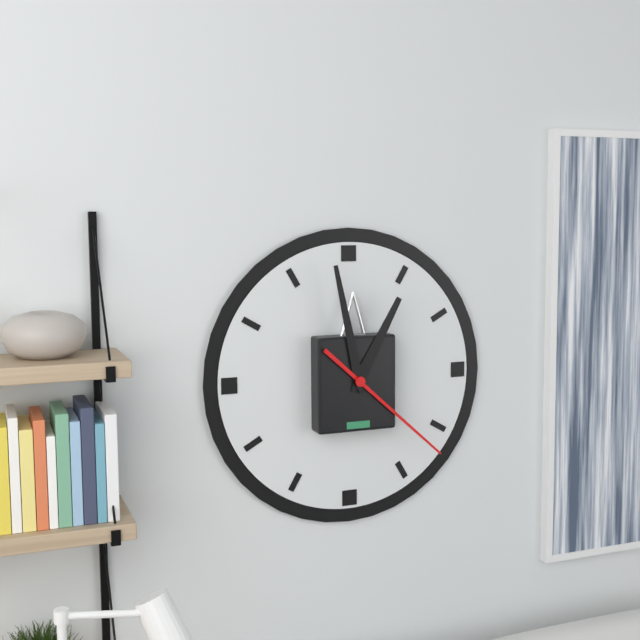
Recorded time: 12:58:22
